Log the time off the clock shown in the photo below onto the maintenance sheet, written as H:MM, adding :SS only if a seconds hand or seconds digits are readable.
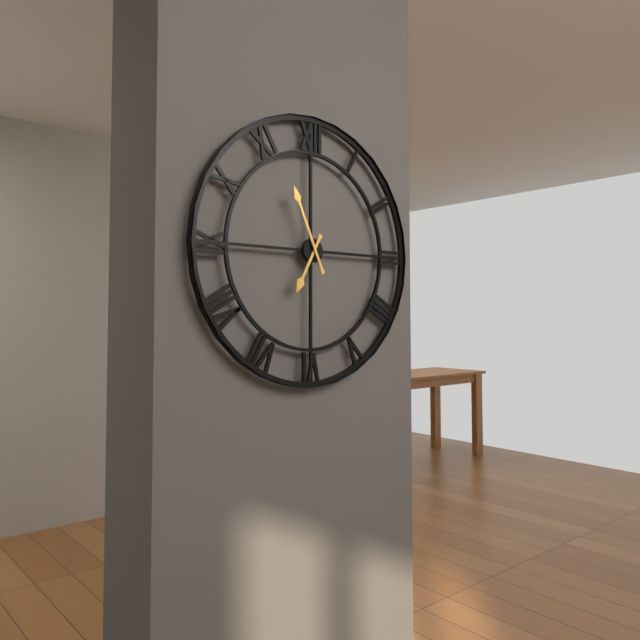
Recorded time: 6:56
